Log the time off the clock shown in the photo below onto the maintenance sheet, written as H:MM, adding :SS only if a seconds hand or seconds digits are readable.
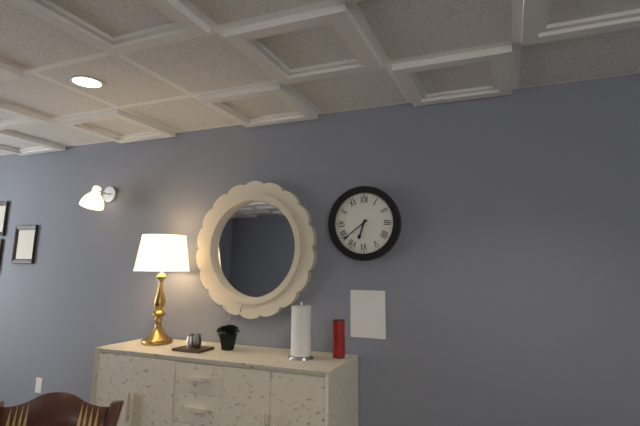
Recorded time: 6:39
